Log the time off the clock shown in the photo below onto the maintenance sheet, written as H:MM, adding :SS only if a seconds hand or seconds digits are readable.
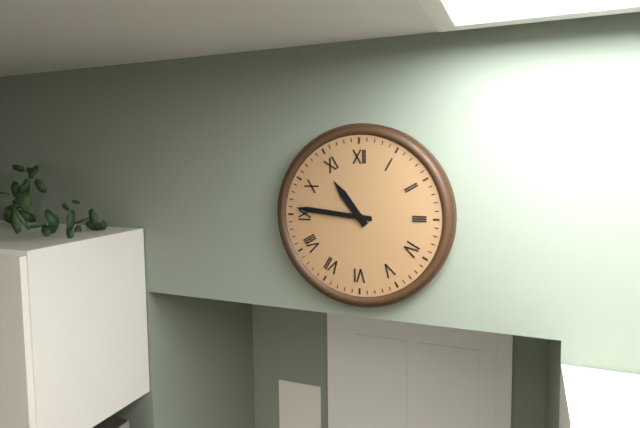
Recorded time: 10:46
